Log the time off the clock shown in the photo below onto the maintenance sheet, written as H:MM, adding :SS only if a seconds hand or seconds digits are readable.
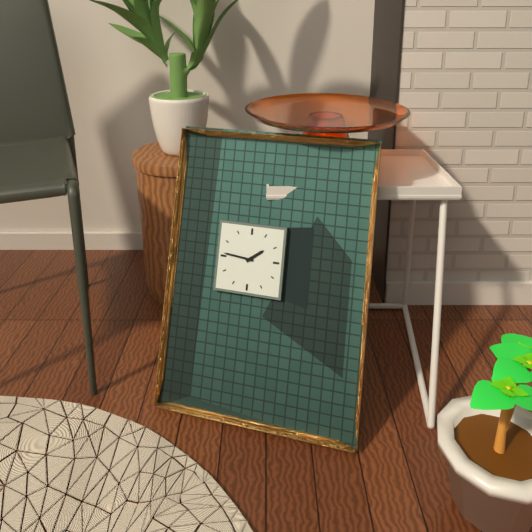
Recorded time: 1:46
